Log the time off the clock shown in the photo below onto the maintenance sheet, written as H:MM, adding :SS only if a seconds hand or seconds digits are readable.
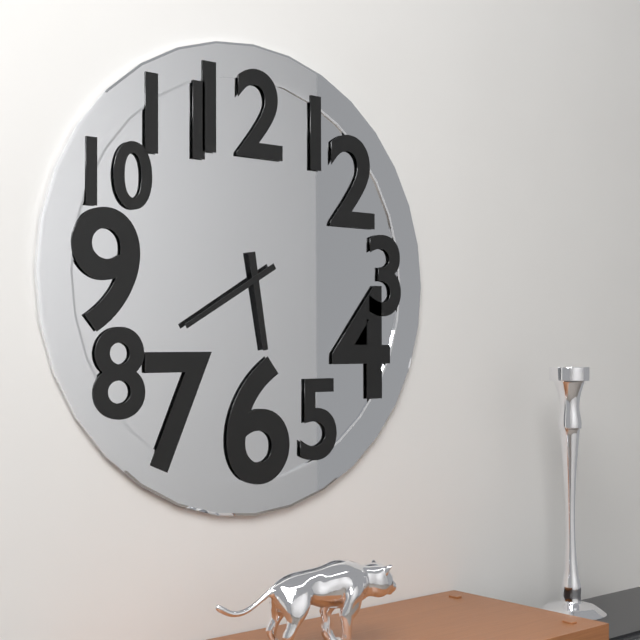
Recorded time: 5:40
